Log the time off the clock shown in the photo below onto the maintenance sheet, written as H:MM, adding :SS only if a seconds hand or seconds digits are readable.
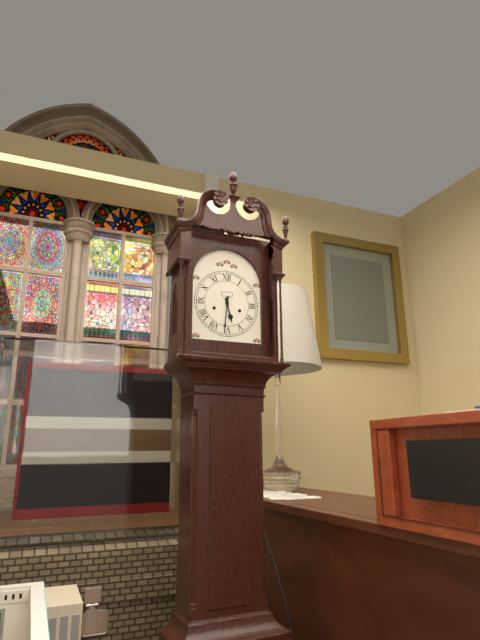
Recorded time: 5:31
